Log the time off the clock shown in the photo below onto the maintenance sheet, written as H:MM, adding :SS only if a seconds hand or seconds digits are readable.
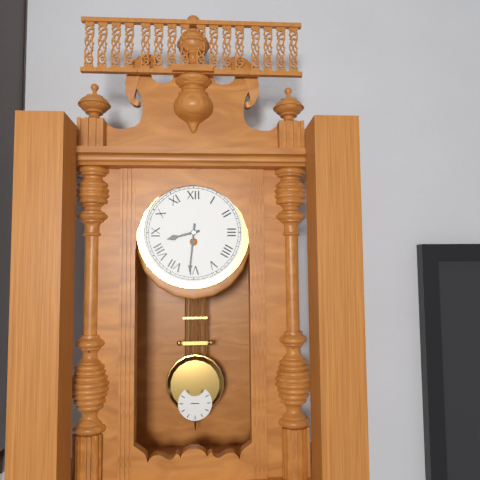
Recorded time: 8:31
